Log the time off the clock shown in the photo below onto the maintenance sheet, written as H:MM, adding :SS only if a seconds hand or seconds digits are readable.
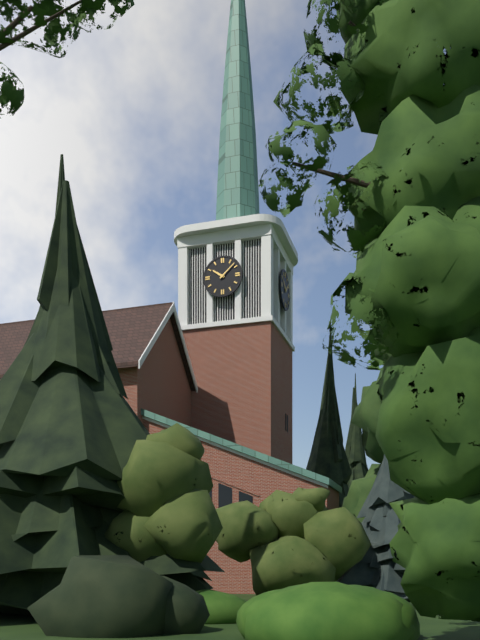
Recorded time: 10:08
